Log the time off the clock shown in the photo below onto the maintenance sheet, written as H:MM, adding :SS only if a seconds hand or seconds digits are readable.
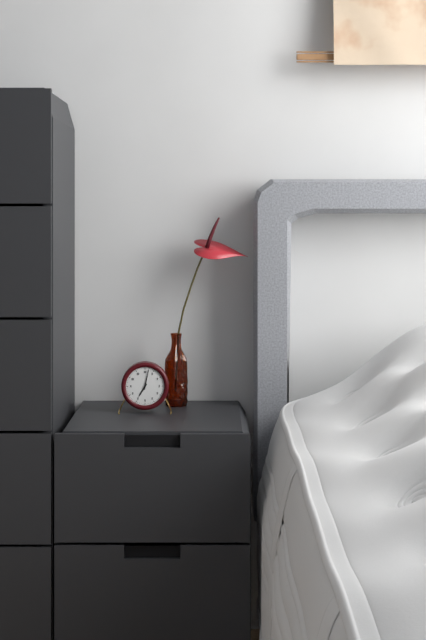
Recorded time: 7:02
